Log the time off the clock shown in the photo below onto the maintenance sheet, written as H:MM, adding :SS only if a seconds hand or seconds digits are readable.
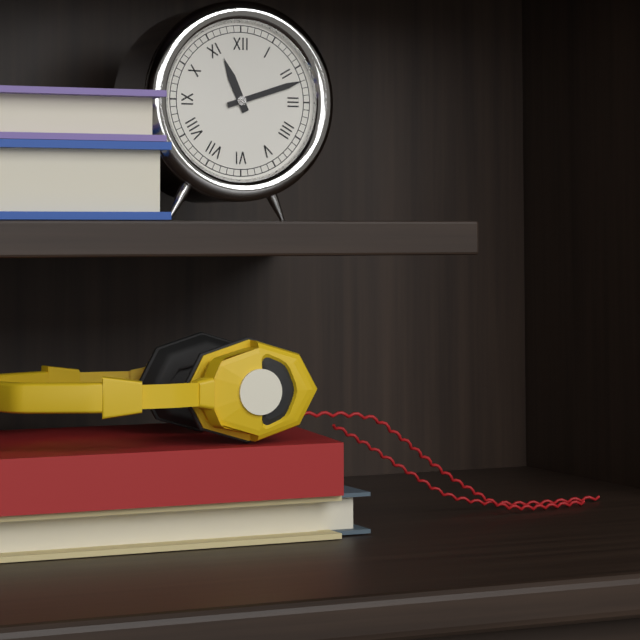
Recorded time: 11:12
